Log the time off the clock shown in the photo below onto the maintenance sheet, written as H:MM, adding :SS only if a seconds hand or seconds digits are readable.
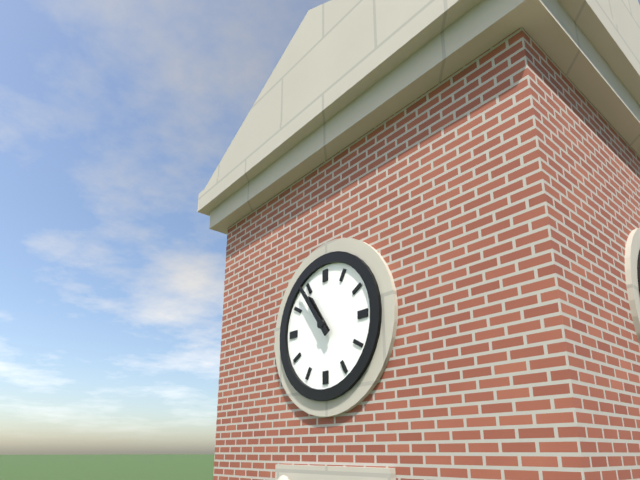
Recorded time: 10:54
